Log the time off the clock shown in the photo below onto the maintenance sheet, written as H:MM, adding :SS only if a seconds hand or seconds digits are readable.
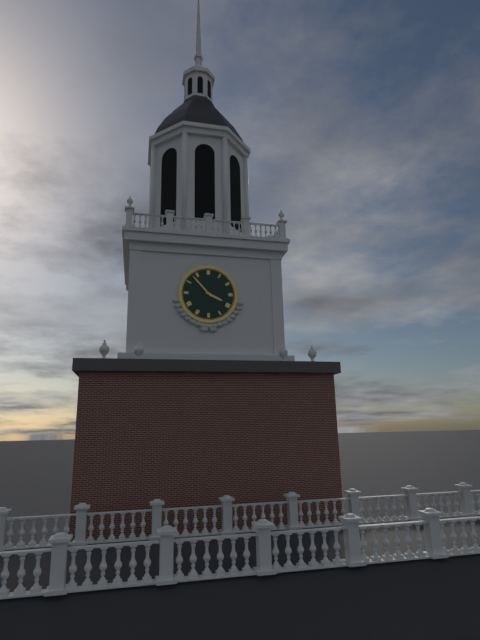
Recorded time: 3:53
